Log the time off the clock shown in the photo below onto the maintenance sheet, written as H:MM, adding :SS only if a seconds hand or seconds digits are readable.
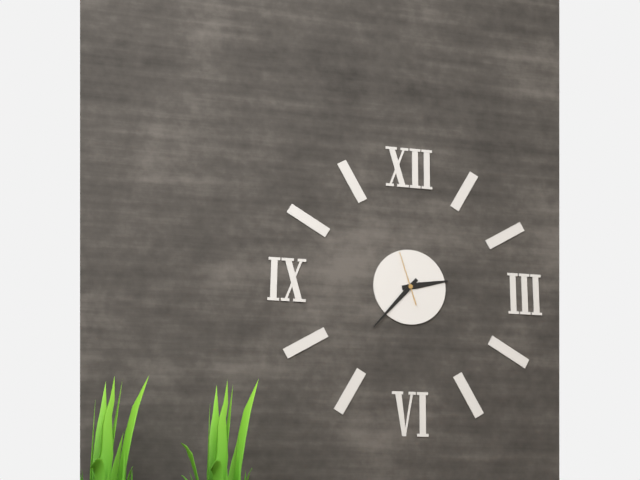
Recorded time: 2:37
